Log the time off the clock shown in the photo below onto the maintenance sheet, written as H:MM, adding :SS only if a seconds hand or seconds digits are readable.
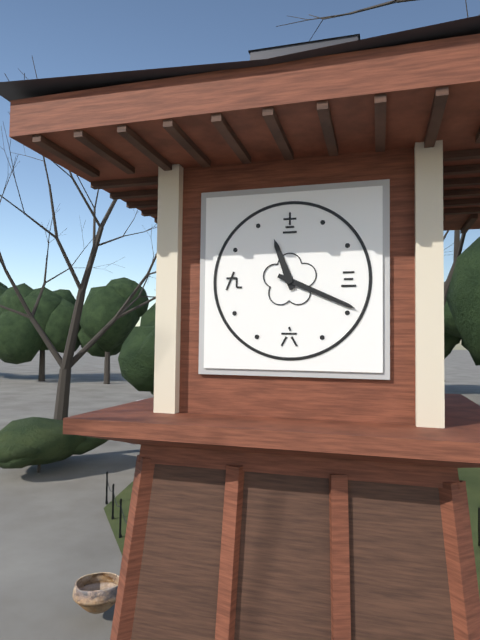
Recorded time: 11:19
